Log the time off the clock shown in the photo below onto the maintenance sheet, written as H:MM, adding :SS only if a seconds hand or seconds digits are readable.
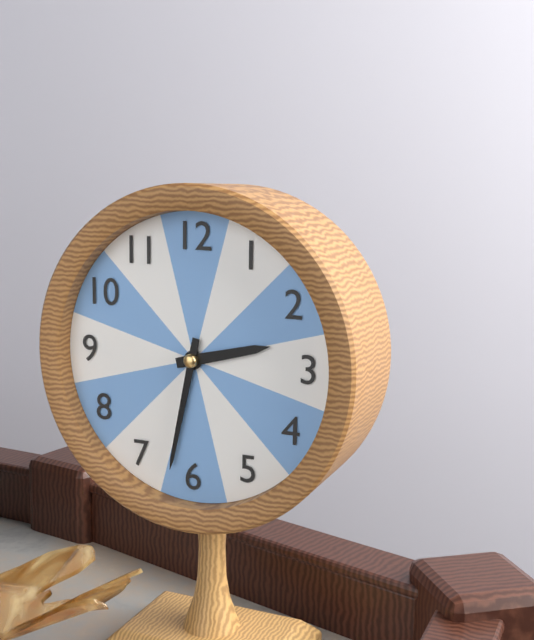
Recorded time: 2:32
